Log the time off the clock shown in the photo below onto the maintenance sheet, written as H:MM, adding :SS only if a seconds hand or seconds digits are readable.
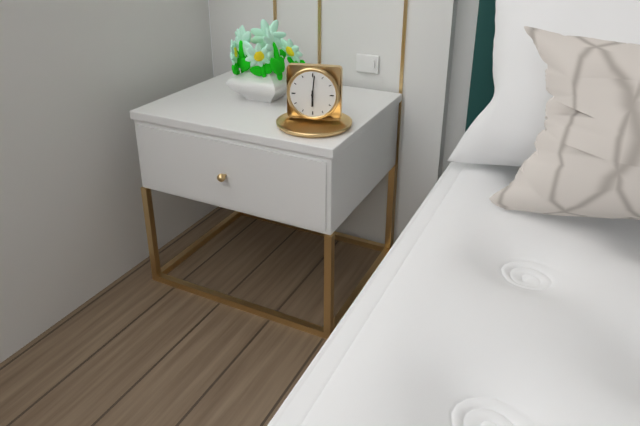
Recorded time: 6:01
